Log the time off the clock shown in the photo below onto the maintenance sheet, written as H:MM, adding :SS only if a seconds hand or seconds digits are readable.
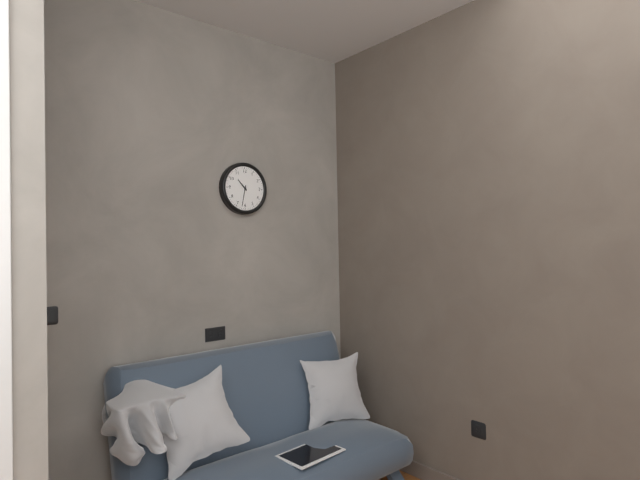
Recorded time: 10:32
